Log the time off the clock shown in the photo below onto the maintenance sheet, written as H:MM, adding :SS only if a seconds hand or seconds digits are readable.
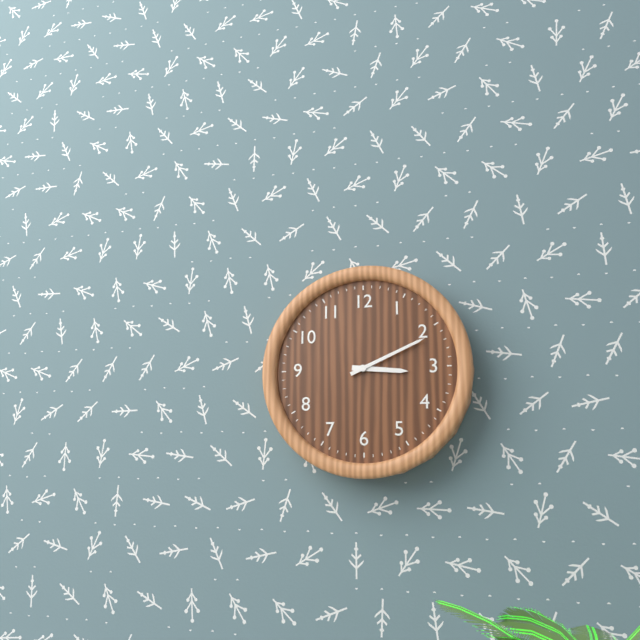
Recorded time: 3:11
